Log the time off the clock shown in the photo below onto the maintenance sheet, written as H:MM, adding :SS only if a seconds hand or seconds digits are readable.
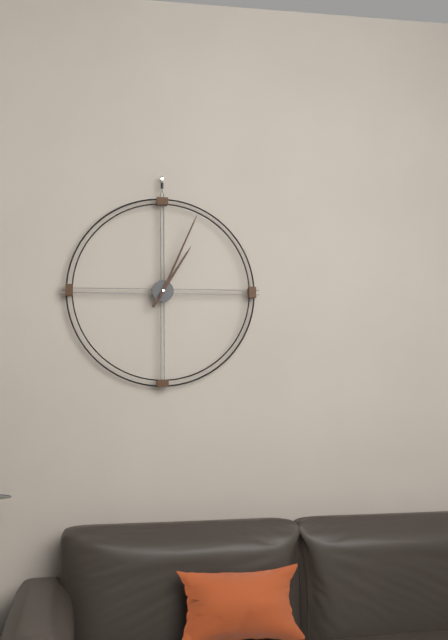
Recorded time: 1:04
